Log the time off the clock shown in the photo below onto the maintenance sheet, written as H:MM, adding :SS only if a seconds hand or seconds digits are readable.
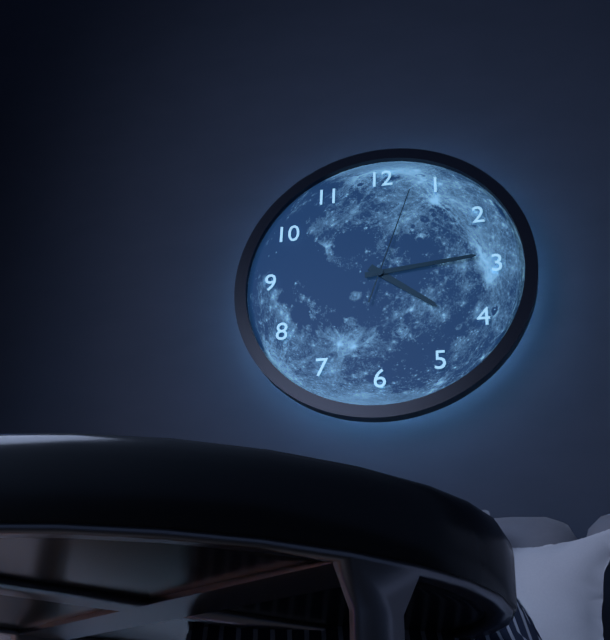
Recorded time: 4:14:03
